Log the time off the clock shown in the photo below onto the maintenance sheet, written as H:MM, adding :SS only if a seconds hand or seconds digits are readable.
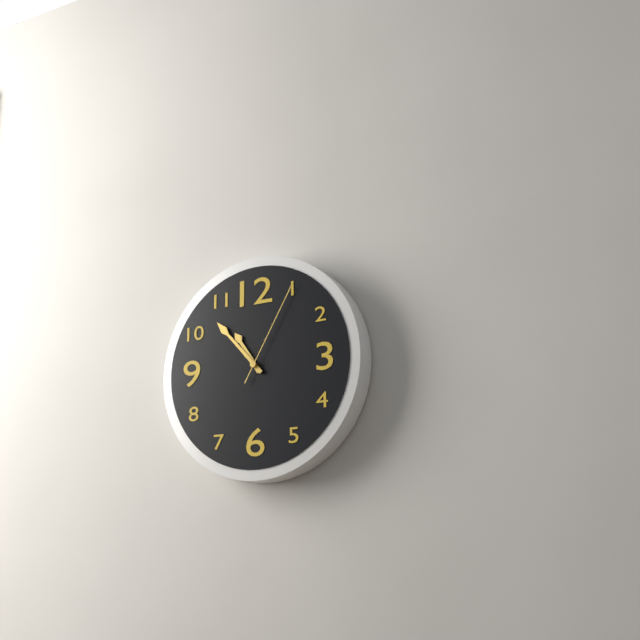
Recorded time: 10:53:05
